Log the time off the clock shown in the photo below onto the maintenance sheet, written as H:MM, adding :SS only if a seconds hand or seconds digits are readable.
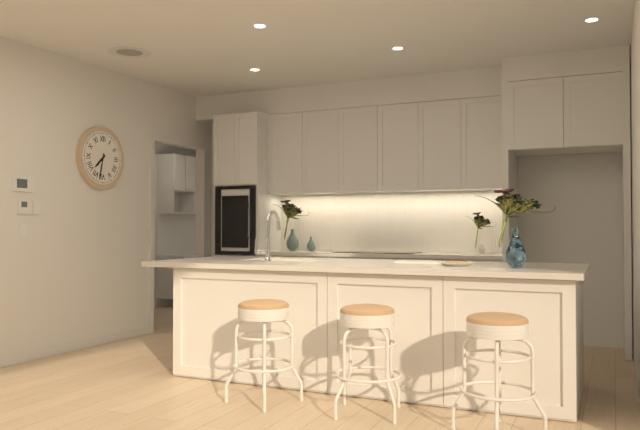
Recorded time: 7:32
